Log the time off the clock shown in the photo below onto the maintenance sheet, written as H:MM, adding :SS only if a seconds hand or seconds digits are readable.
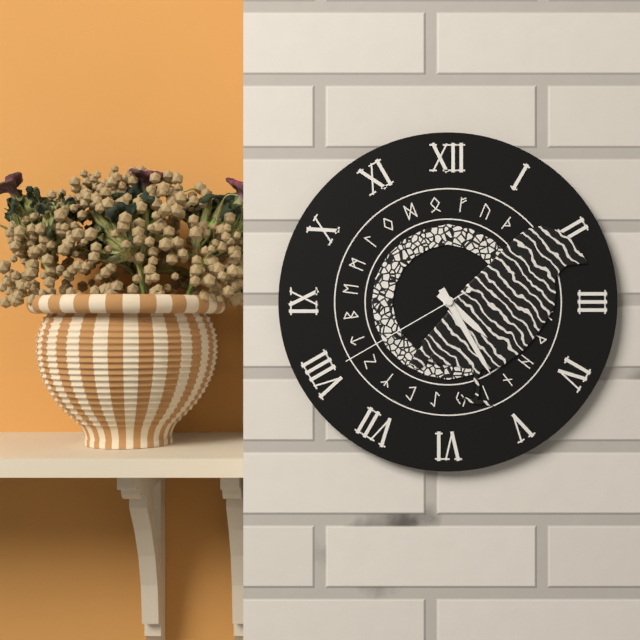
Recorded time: 4:25:40
